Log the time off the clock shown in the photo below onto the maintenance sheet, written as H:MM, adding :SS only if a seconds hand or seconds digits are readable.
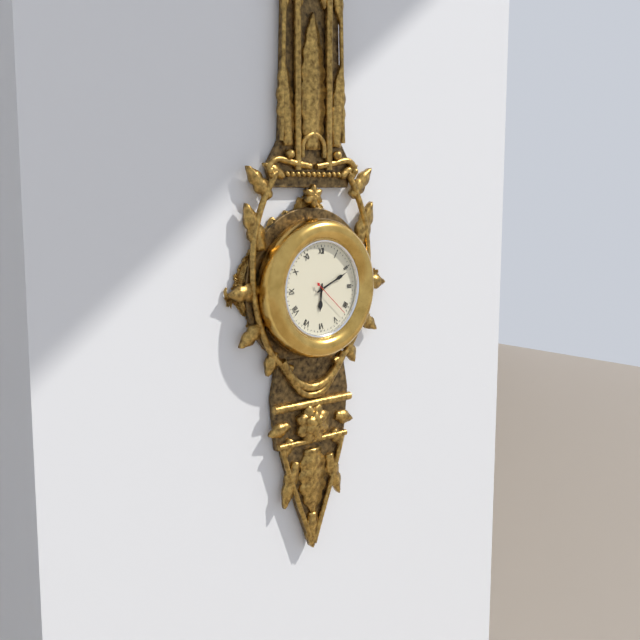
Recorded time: 6:11:22
